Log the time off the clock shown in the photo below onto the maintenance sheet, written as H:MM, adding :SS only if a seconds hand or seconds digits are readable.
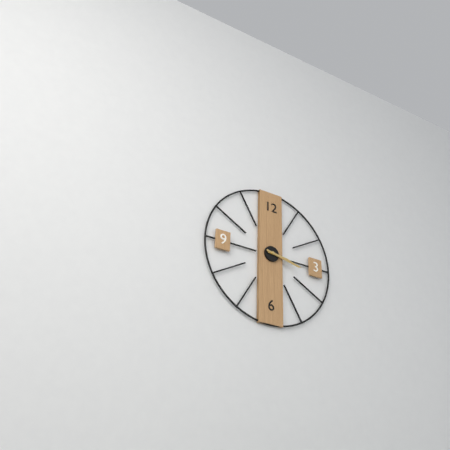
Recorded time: 3:17
